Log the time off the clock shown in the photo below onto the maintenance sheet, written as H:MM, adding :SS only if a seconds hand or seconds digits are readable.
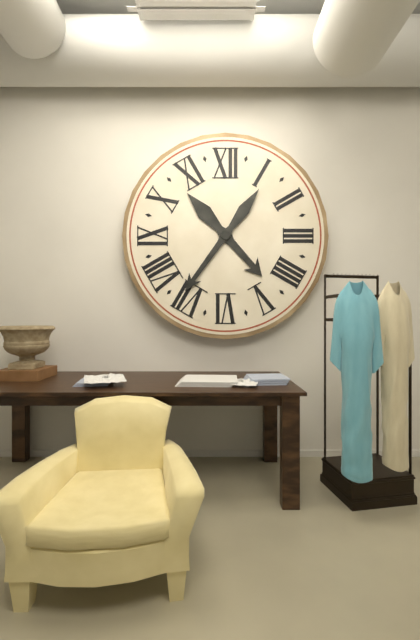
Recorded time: 4:36
